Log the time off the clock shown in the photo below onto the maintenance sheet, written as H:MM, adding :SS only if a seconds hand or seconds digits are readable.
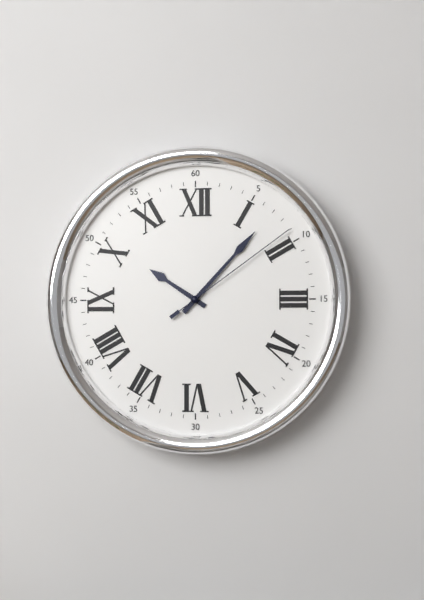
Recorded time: 10:07:09
